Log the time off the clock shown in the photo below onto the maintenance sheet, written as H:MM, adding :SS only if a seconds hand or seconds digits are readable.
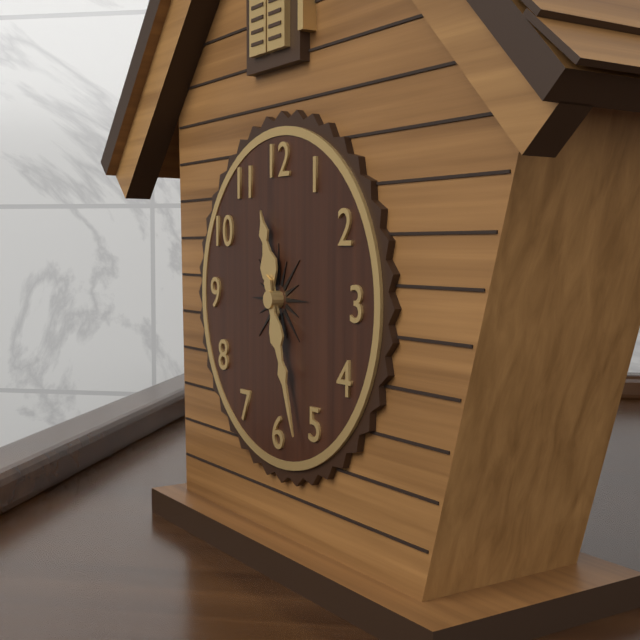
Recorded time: 11:27
